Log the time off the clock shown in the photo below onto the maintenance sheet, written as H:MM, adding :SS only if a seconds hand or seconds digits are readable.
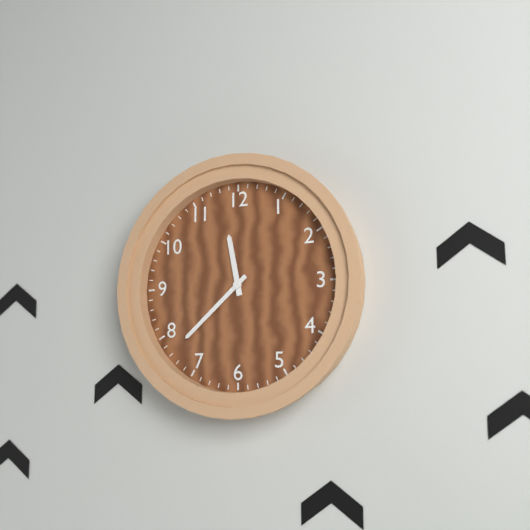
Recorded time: 11:38
